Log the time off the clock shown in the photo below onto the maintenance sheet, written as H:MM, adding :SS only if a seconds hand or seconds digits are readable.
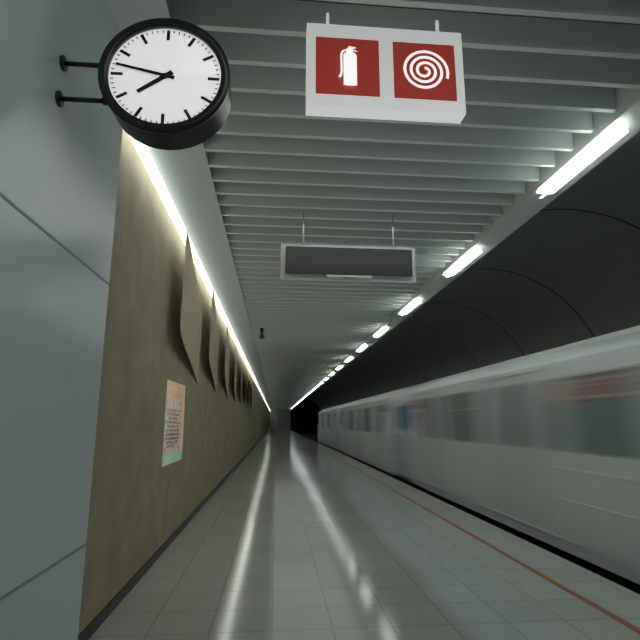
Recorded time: 7:47
